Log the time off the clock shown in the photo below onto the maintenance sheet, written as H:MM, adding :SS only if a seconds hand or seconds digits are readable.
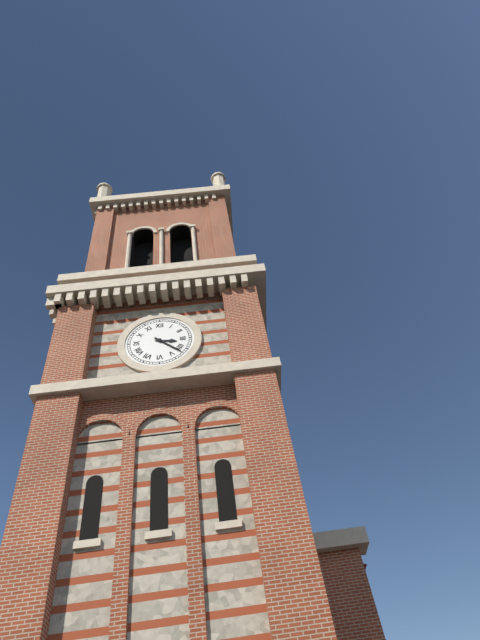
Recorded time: 3:22
